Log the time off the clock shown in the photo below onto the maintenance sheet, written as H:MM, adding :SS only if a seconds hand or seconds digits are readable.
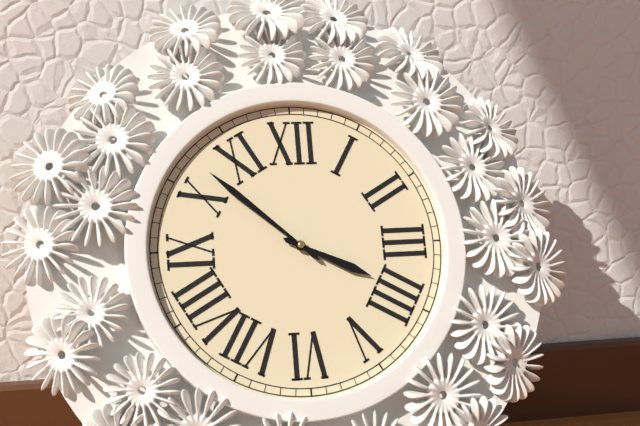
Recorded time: 3:52
